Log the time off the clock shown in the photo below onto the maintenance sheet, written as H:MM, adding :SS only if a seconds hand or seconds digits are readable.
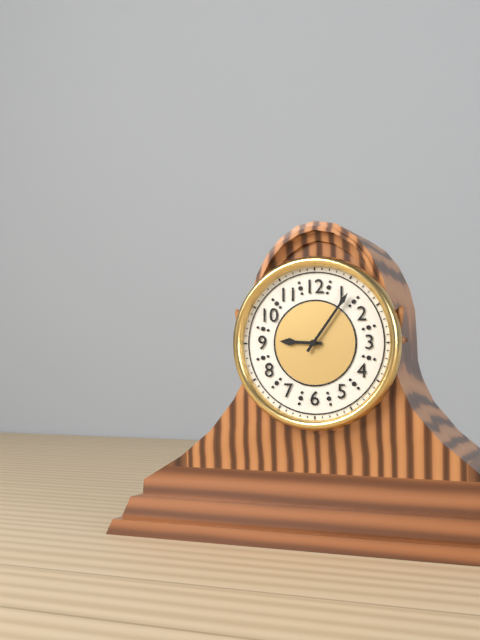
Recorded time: 9:06
